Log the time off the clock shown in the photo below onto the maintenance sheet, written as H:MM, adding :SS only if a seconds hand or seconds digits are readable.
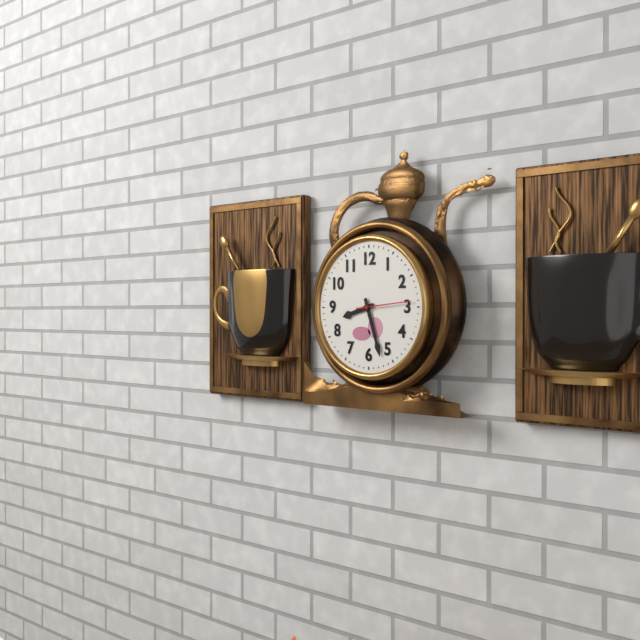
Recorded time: 8:27:14
